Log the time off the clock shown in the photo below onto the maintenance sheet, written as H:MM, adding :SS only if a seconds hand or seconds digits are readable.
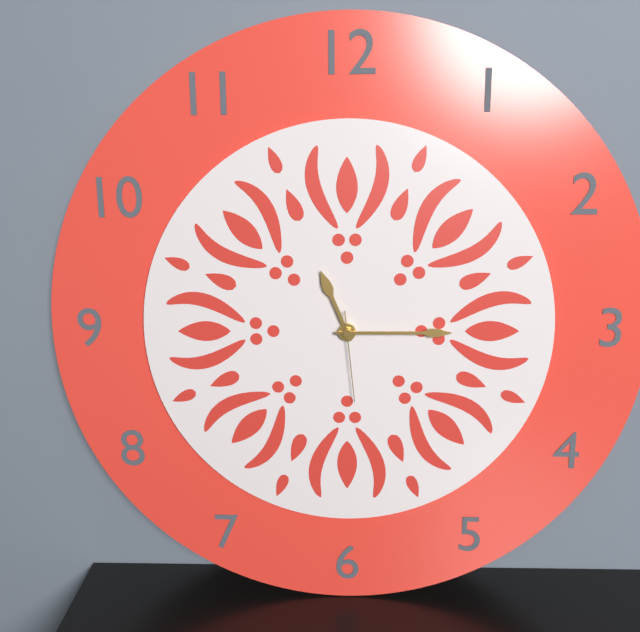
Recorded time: 11:15:29
